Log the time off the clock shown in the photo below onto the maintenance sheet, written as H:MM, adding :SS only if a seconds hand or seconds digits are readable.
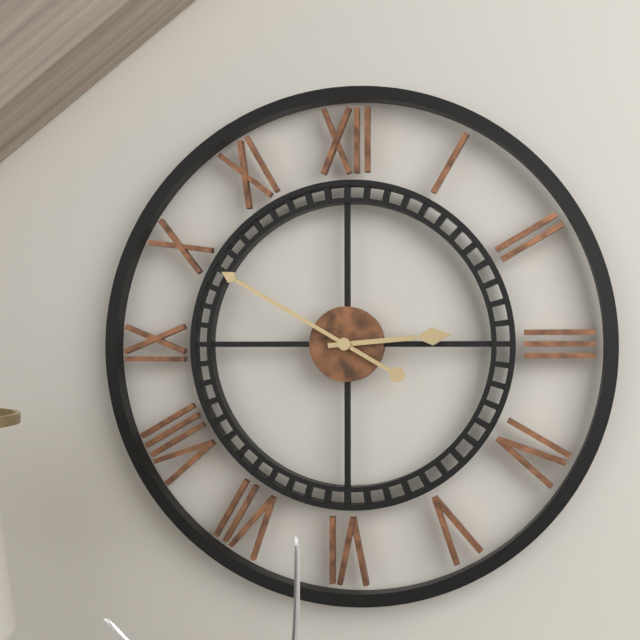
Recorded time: 2:50
